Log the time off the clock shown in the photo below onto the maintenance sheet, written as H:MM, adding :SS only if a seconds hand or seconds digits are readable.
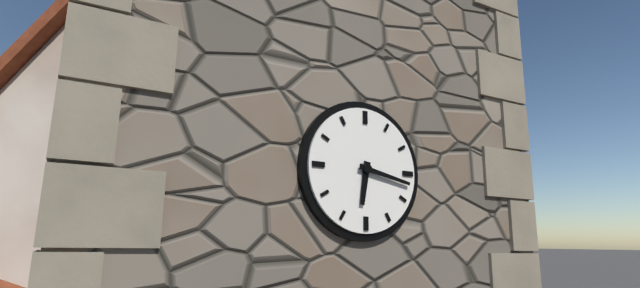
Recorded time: 6:17
